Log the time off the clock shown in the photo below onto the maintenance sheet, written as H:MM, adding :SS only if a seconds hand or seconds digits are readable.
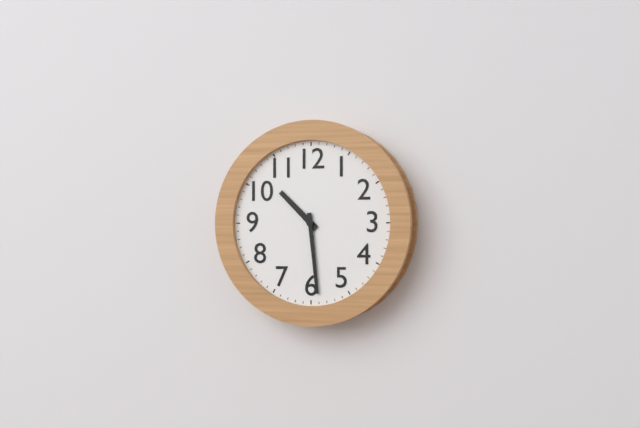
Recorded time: 10:29
